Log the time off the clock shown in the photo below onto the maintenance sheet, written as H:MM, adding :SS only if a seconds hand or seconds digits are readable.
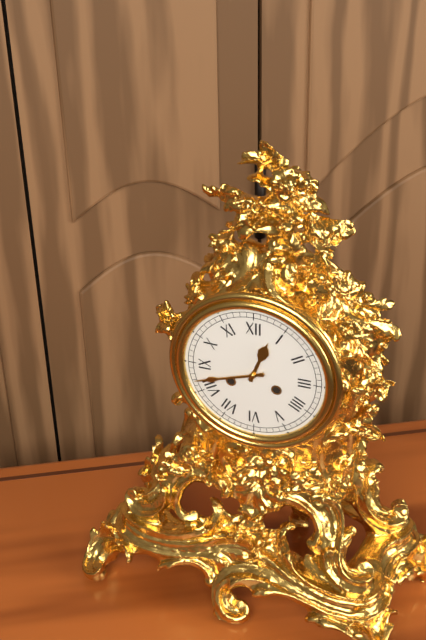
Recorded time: 12:42
